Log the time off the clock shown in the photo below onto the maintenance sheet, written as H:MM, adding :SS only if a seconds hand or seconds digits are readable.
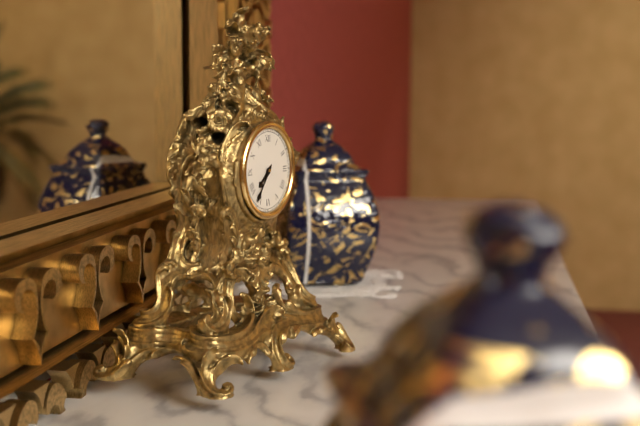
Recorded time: 7:36
